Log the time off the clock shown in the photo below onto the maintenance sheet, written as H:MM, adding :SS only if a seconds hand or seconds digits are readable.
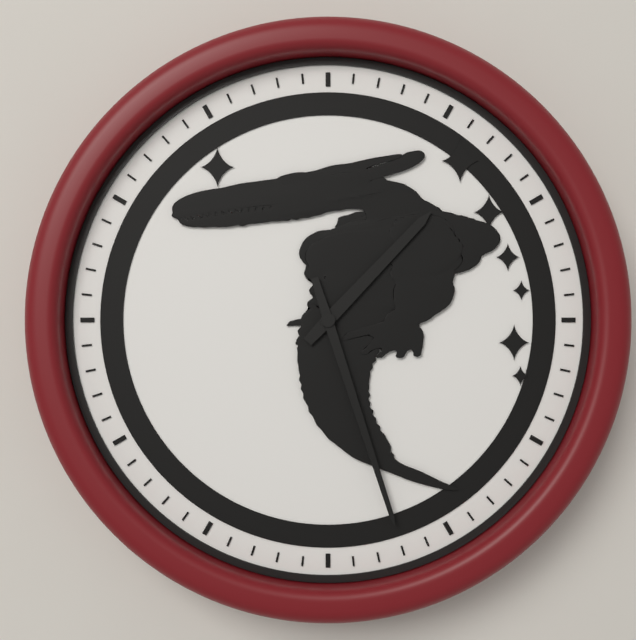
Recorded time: 1:27
